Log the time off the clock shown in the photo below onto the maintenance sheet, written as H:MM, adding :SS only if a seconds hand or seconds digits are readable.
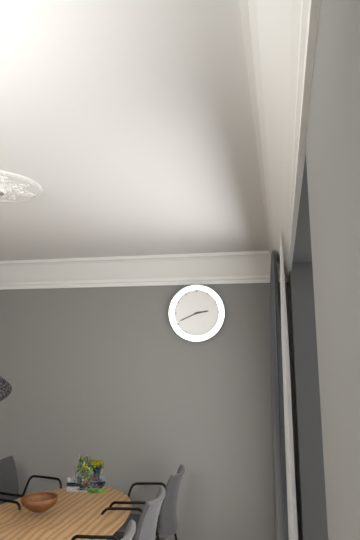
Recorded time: 2:41
